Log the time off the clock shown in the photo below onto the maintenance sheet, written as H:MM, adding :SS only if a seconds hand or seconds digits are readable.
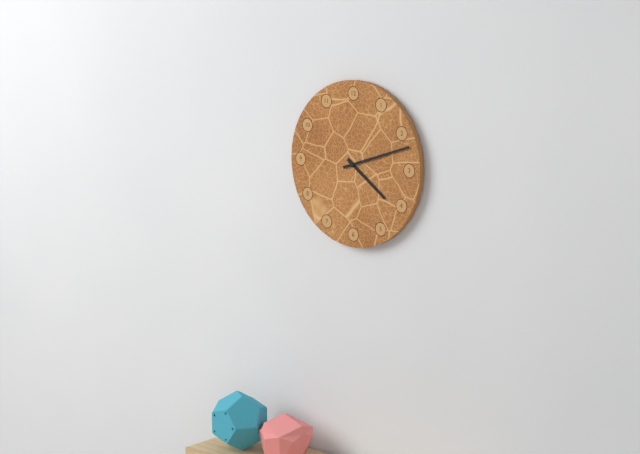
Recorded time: 4:12
